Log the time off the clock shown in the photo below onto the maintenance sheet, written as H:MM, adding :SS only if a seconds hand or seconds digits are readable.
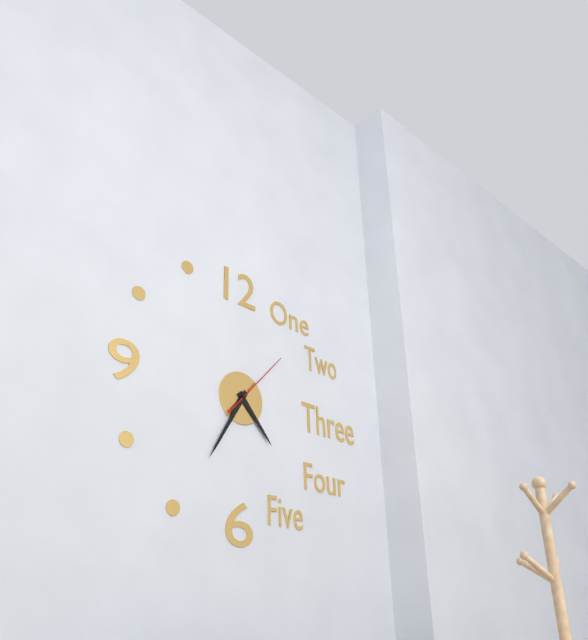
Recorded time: 4:35:07
